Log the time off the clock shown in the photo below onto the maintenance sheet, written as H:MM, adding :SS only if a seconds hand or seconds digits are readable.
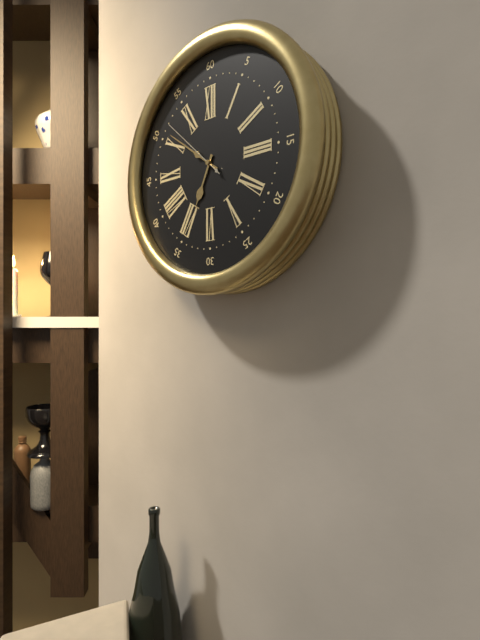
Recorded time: 6:51:52
